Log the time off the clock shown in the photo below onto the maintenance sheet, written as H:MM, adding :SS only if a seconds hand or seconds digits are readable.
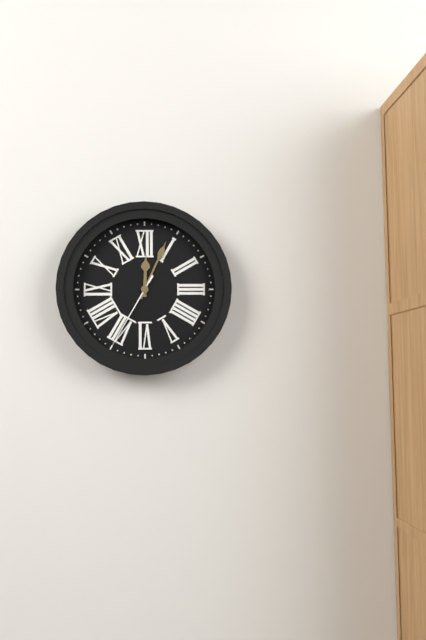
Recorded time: 12:04:35
